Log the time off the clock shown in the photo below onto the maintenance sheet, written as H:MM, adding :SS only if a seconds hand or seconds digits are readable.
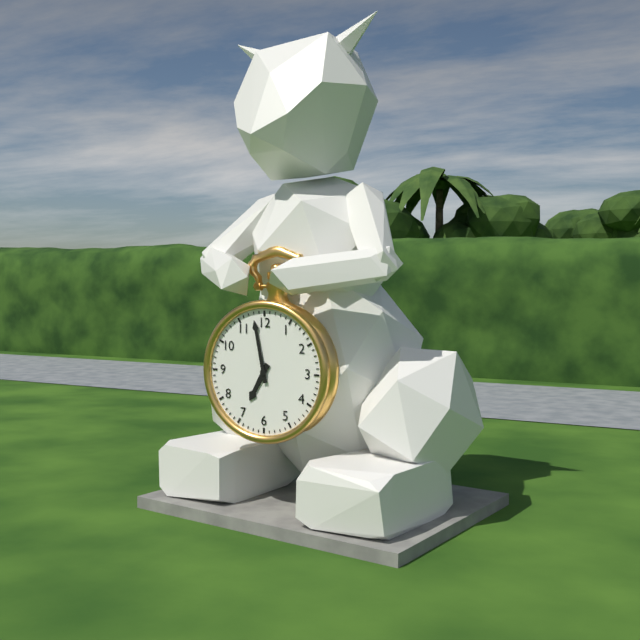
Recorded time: 6:58
